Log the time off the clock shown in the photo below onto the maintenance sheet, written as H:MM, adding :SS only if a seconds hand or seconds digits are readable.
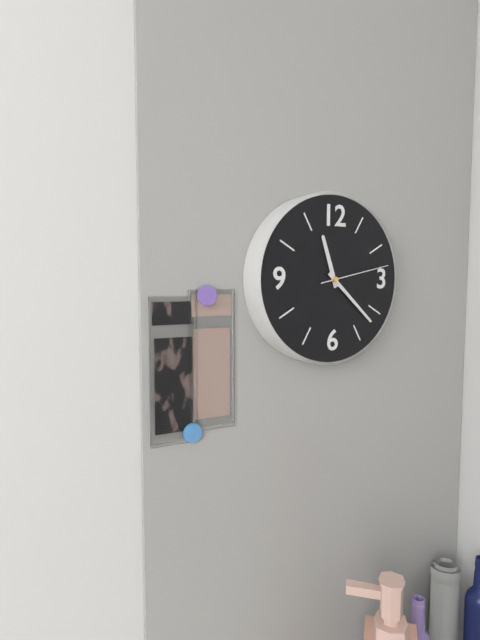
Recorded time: 11:22:13
